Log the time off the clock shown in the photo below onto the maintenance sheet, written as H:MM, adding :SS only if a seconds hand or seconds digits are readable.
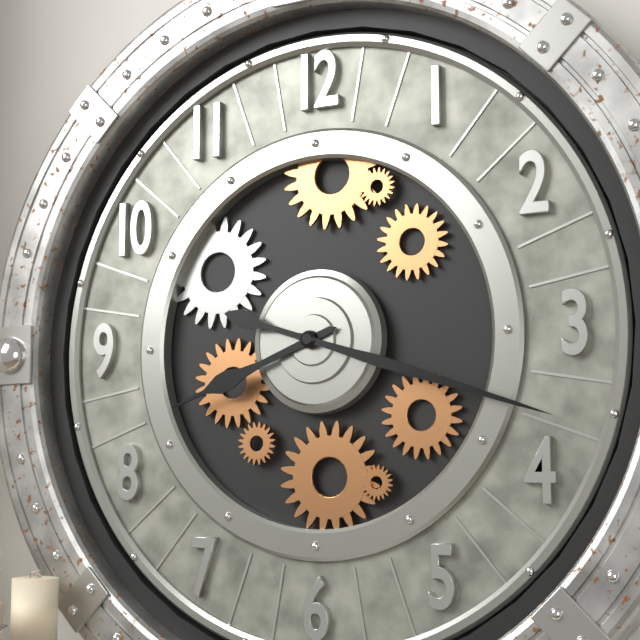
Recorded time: 8:18
